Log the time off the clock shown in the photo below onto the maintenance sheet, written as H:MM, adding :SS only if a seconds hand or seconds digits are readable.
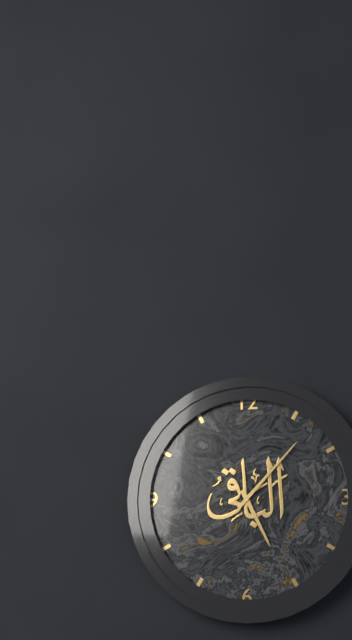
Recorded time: 5:07
